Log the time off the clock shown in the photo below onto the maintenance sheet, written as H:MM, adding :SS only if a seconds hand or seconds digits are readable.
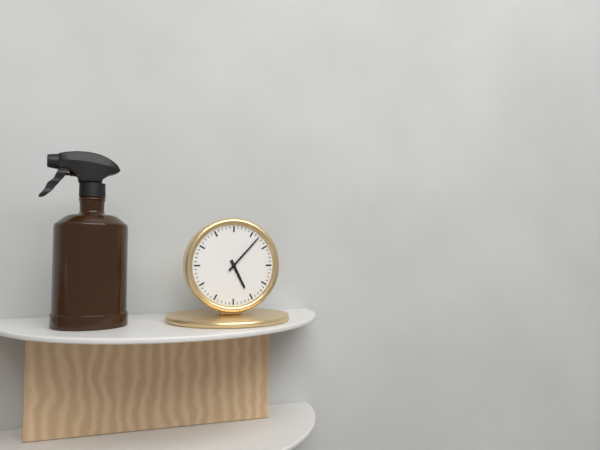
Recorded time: 5:07
